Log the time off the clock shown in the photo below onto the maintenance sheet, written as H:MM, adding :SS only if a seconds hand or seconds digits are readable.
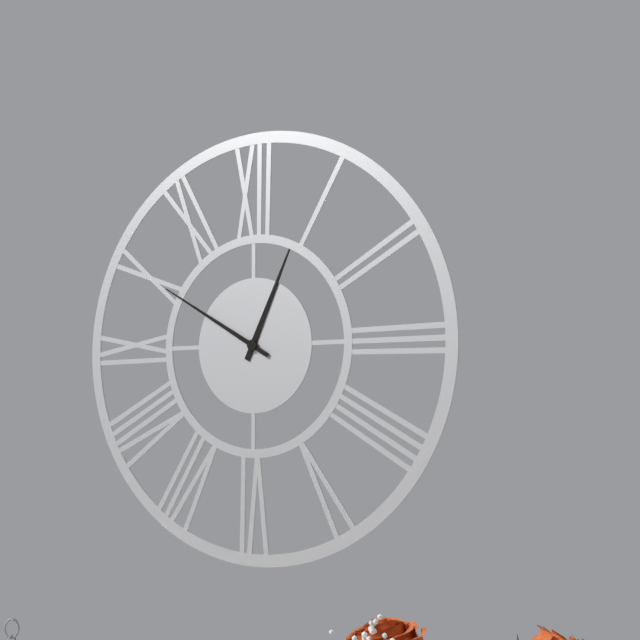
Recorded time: 12:50
